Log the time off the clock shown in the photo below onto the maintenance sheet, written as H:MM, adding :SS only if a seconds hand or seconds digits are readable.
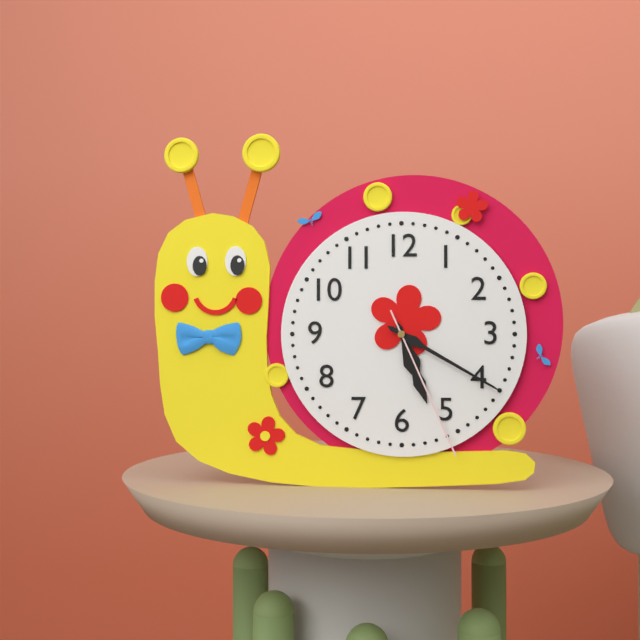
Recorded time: 5:20:26
